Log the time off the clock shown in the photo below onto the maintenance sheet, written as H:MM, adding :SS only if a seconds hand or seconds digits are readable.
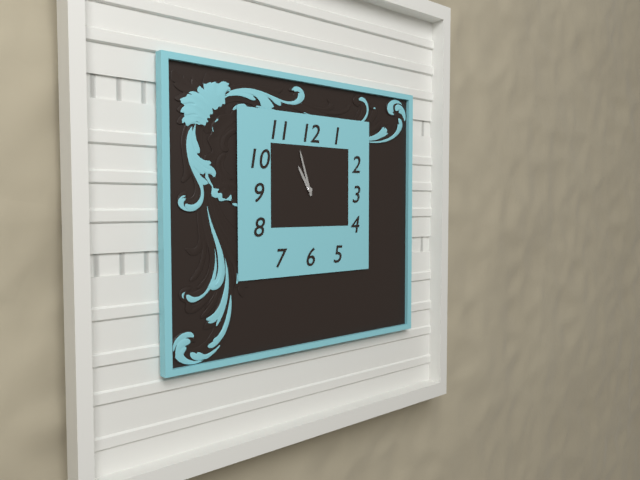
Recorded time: 10:57
